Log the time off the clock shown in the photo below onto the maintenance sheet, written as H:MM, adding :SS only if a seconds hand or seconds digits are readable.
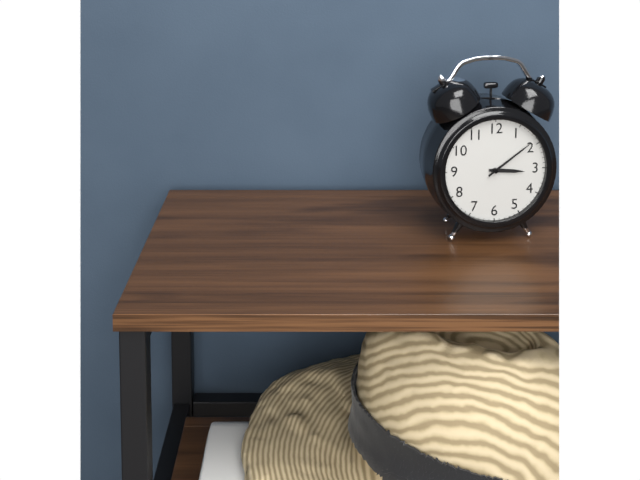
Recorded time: 3:09
